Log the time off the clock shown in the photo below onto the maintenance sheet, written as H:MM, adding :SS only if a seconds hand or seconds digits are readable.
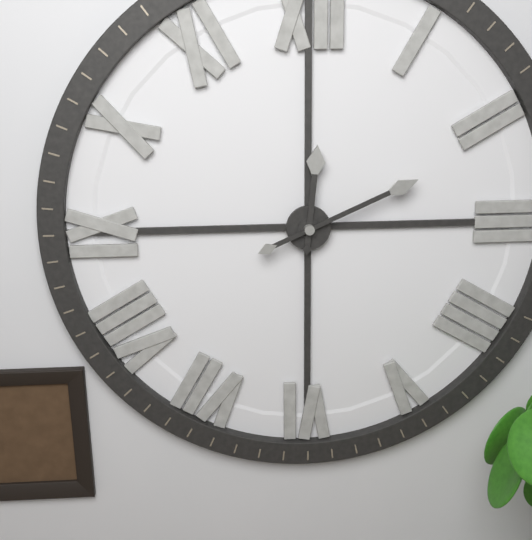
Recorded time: 12:11
